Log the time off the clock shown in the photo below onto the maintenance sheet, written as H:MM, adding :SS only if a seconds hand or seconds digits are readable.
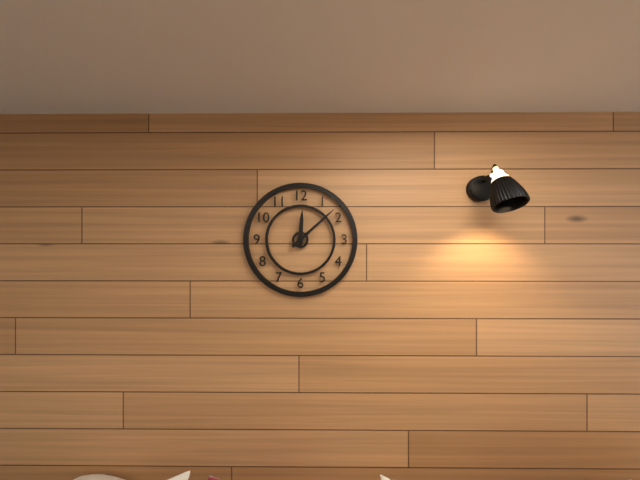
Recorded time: 12:08
